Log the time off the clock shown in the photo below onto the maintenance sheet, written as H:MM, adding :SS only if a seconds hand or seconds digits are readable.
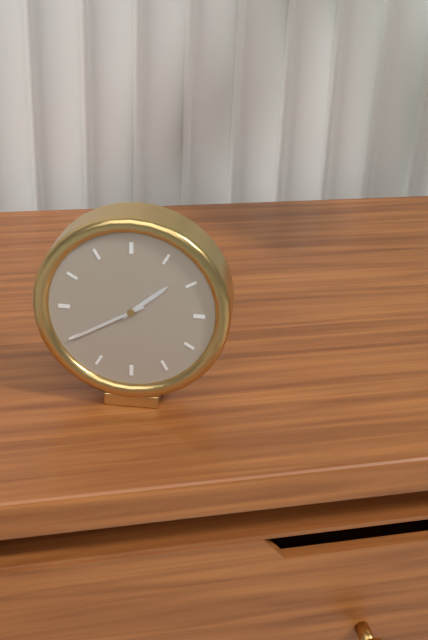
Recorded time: 1:40
